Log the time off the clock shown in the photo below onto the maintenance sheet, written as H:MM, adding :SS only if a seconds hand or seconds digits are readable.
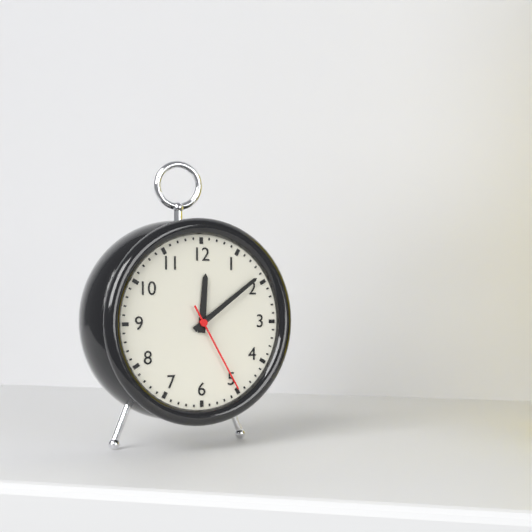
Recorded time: 12:09:25
